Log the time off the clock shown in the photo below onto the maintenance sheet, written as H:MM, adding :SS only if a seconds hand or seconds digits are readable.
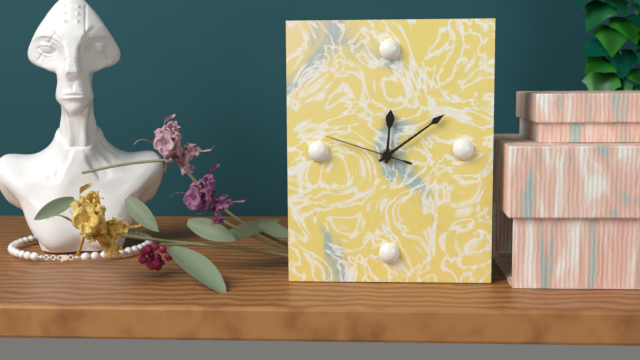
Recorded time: 12:09:48
